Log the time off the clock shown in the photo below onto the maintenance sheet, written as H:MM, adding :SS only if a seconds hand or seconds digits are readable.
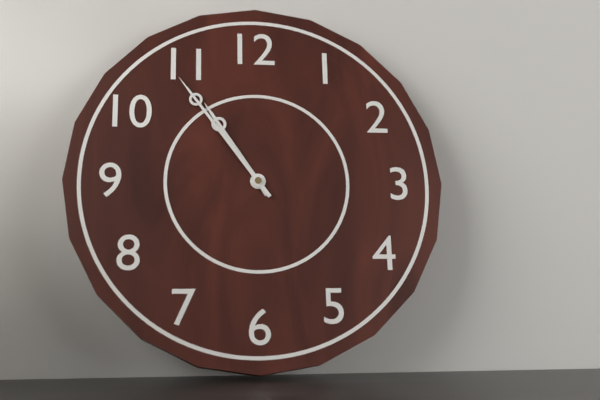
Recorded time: 10:54
